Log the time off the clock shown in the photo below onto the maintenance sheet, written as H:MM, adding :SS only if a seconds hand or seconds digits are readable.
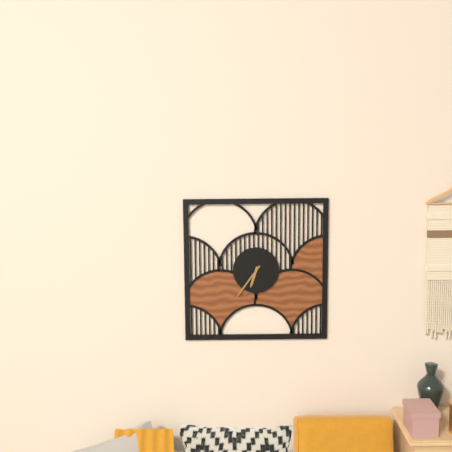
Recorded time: 6:36
